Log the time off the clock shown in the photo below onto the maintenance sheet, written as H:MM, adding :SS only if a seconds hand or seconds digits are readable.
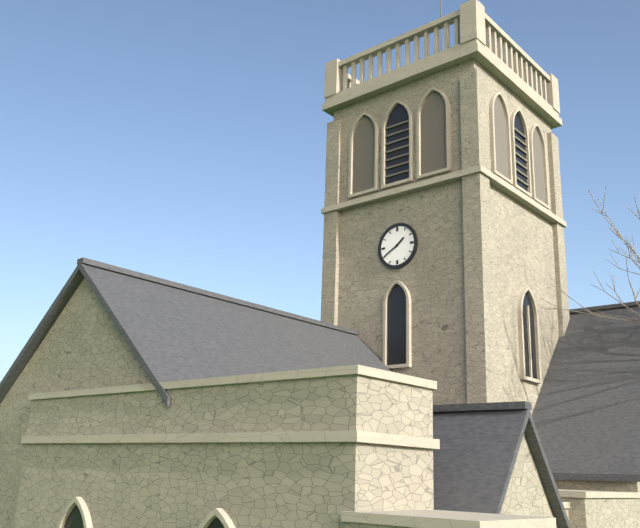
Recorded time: 1:40
